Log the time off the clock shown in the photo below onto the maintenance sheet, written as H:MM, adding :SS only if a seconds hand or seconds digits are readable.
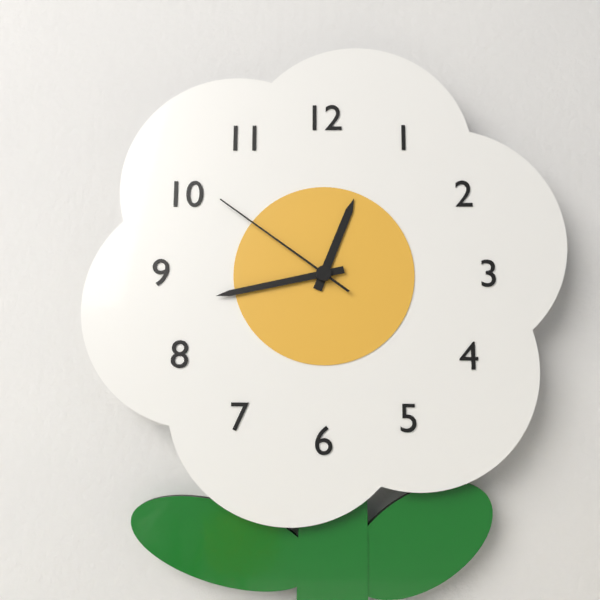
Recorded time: 12:43:51
